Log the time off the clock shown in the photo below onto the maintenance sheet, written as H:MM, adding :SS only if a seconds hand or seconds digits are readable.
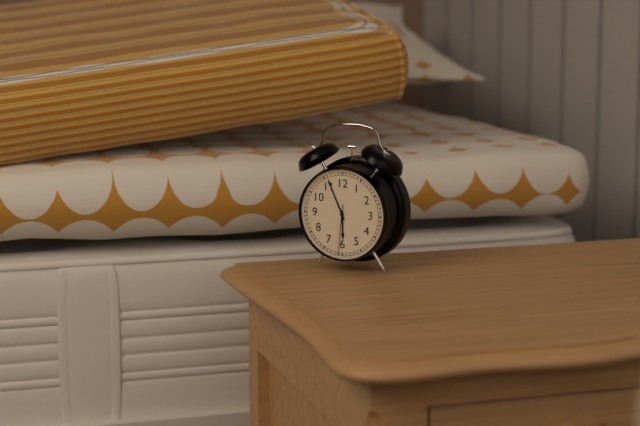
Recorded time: 5:56:31
